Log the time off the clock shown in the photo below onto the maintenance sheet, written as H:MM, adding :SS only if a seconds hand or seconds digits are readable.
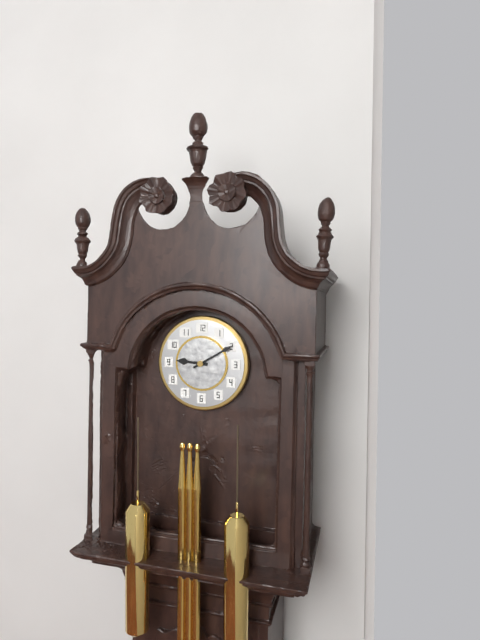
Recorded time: 9:10
